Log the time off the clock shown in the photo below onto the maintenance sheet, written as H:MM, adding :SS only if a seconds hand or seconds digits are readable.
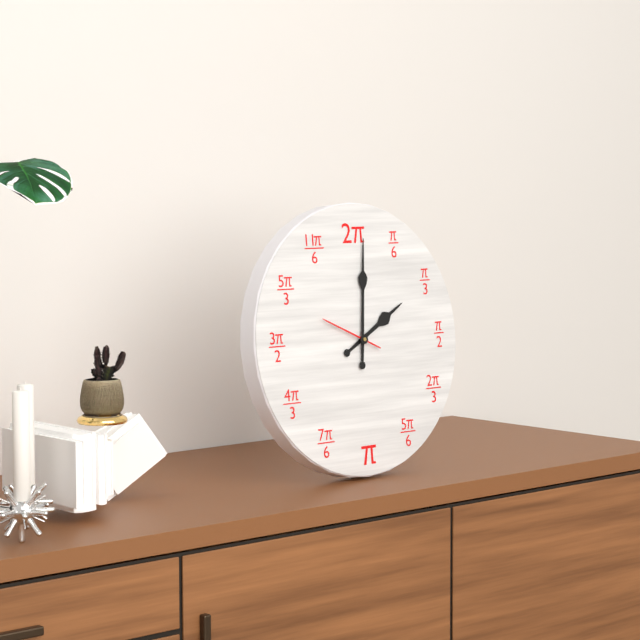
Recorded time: 2:01:49
